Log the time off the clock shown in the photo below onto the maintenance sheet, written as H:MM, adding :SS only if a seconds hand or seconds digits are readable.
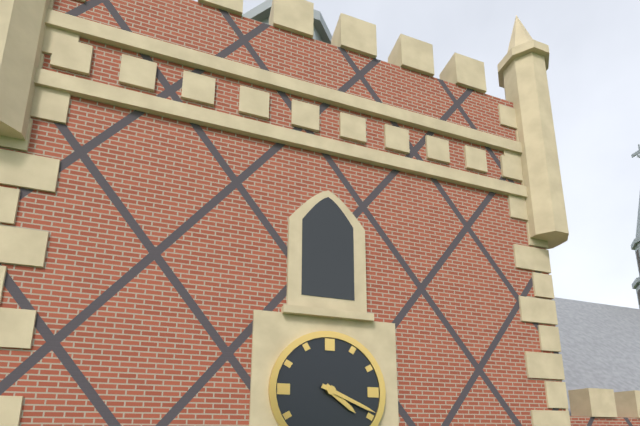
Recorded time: 4:19
